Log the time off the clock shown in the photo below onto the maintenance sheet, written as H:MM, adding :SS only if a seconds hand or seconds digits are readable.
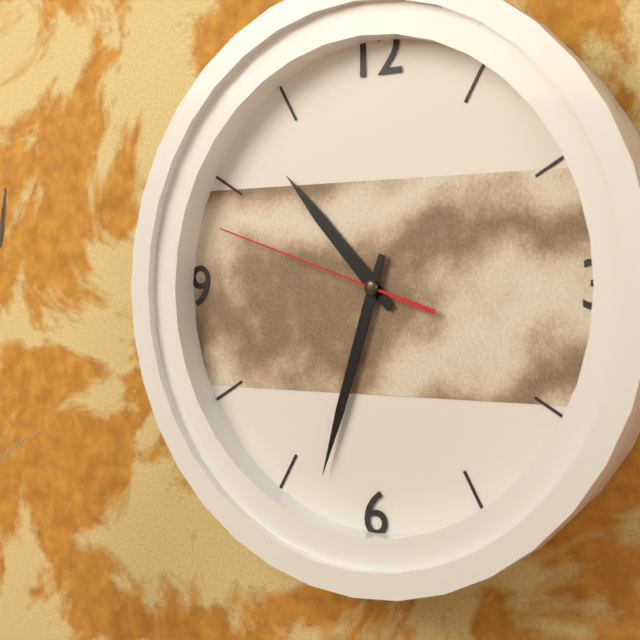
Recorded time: 10:33:48
